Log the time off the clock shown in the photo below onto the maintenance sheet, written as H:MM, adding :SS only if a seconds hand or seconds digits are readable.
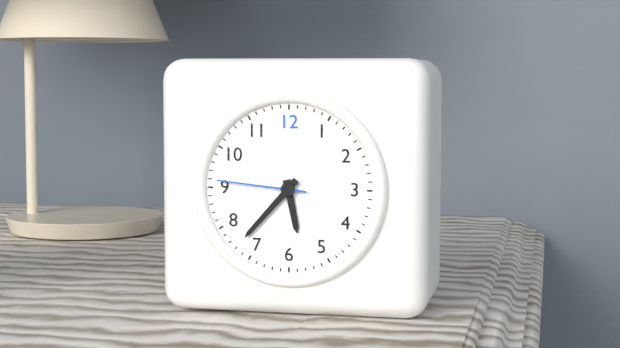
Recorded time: 5:37:46
